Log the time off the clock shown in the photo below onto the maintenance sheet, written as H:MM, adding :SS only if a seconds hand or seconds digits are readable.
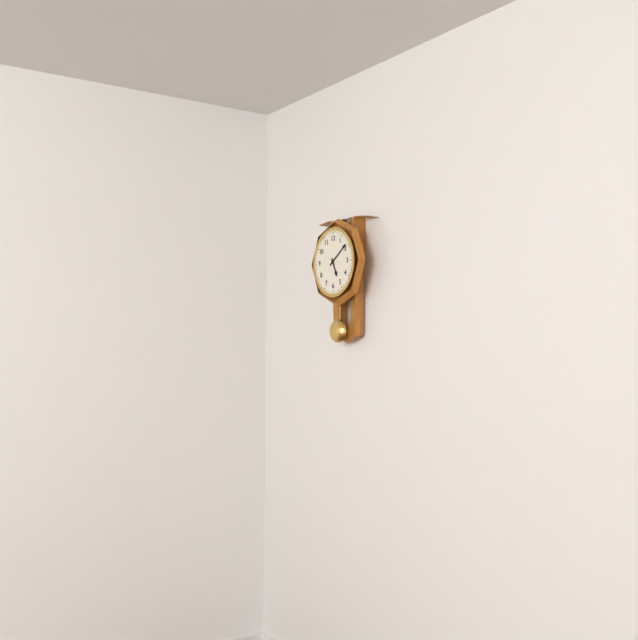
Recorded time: 5:09
